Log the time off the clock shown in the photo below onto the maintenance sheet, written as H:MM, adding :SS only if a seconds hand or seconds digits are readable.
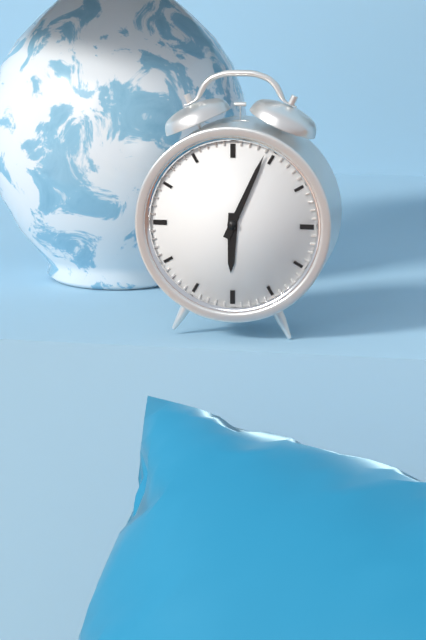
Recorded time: 6:04
